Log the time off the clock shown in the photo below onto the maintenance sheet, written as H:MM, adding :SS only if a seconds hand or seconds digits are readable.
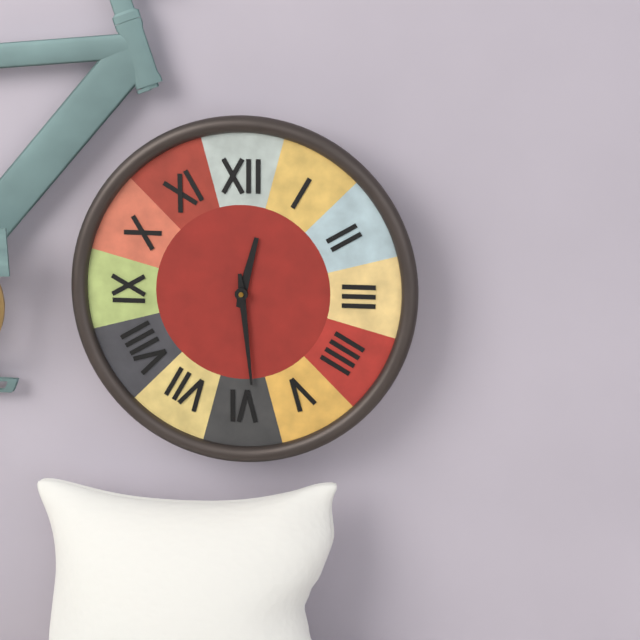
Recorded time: 12:29
